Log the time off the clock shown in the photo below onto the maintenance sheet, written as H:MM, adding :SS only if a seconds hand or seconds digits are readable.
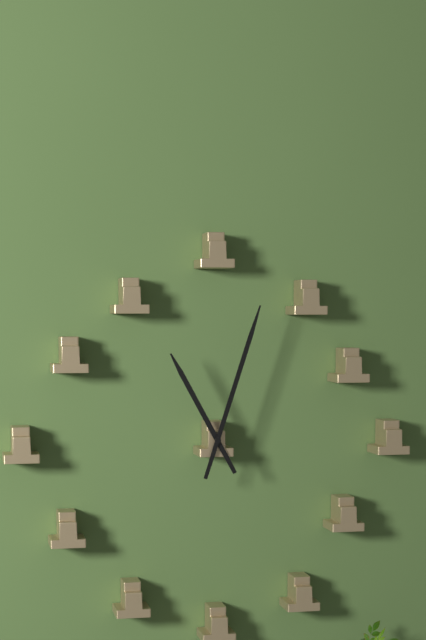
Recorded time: 11:03
